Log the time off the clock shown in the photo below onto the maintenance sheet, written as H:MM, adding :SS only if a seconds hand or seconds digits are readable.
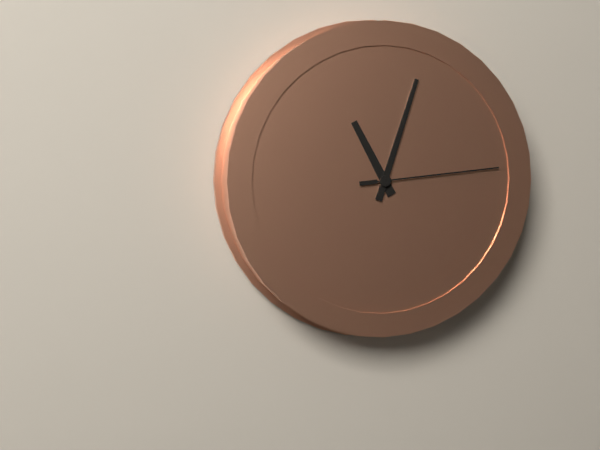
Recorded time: 11:03:14
